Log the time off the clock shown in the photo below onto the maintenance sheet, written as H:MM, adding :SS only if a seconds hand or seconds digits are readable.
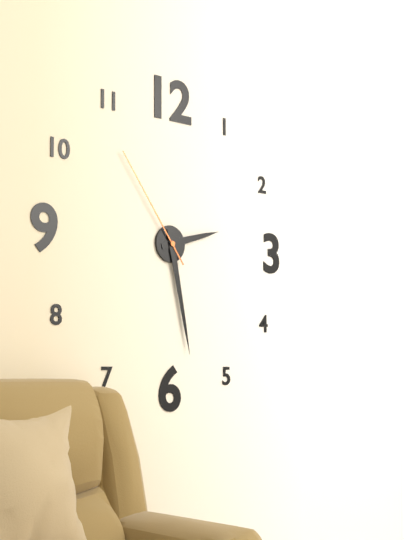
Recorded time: 2:28:54
